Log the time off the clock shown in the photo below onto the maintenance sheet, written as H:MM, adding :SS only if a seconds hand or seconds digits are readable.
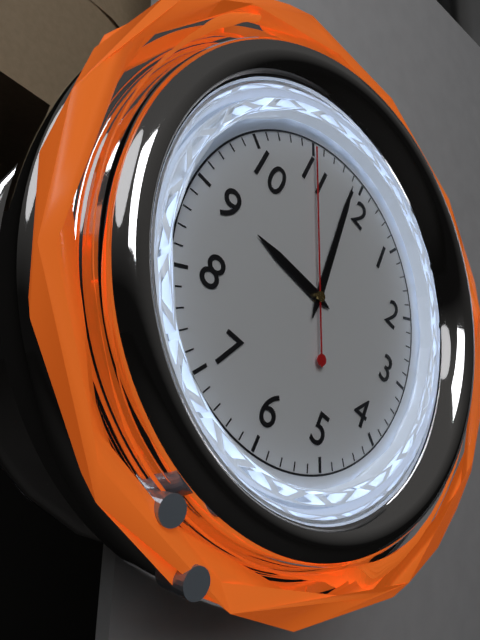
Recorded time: 8:59:55
